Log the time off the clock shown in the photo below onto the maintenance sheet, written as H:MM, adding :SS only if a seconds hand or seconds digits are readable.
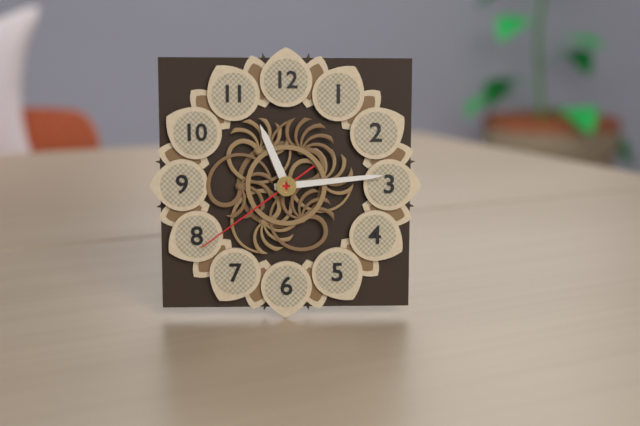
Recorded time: 11:14:39
